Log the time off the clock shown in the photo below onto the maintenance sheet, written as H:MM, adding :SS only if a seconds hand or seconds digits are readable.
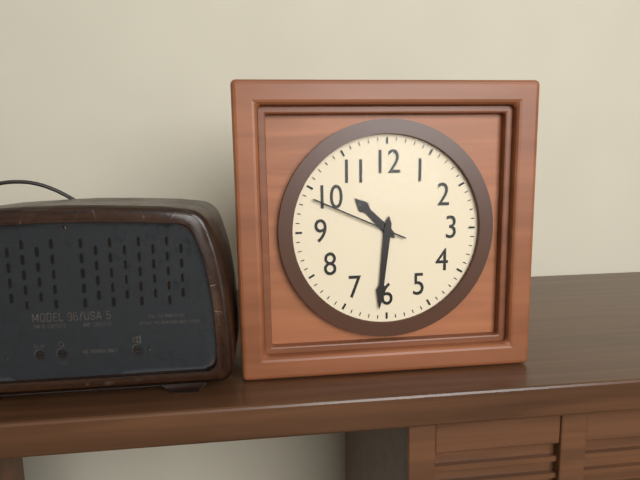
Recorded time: 10:31:49
